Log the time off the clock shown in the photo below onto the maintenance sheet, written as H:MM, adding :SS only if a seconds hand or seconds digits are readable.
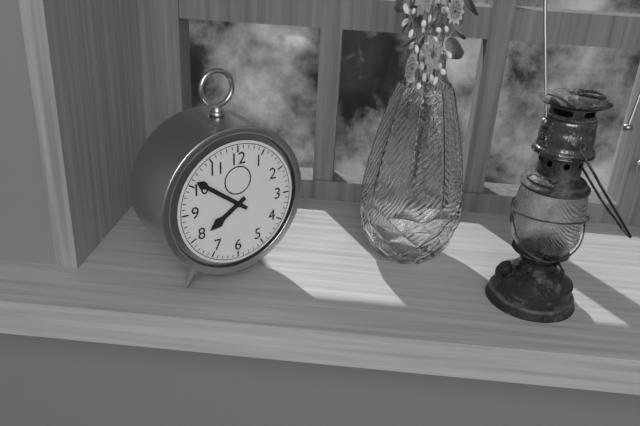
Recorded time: 7:51
